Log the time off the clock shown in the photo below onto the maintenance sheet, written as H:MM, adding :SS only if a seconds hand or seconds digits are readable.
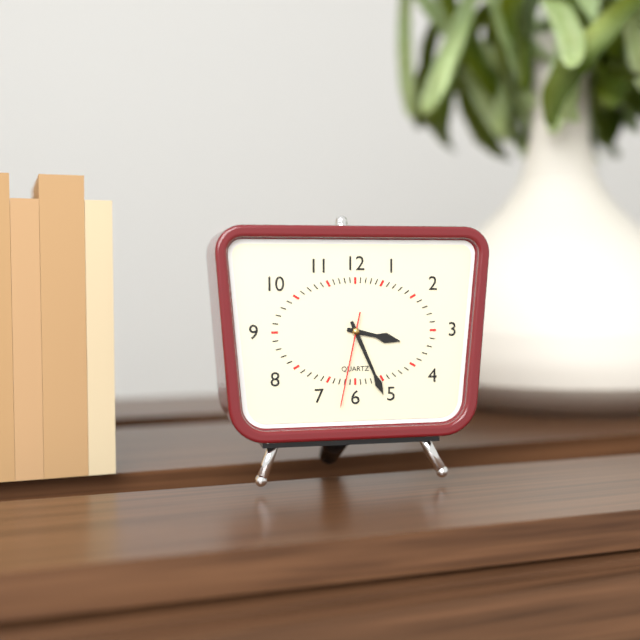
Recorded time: 3:26:32
